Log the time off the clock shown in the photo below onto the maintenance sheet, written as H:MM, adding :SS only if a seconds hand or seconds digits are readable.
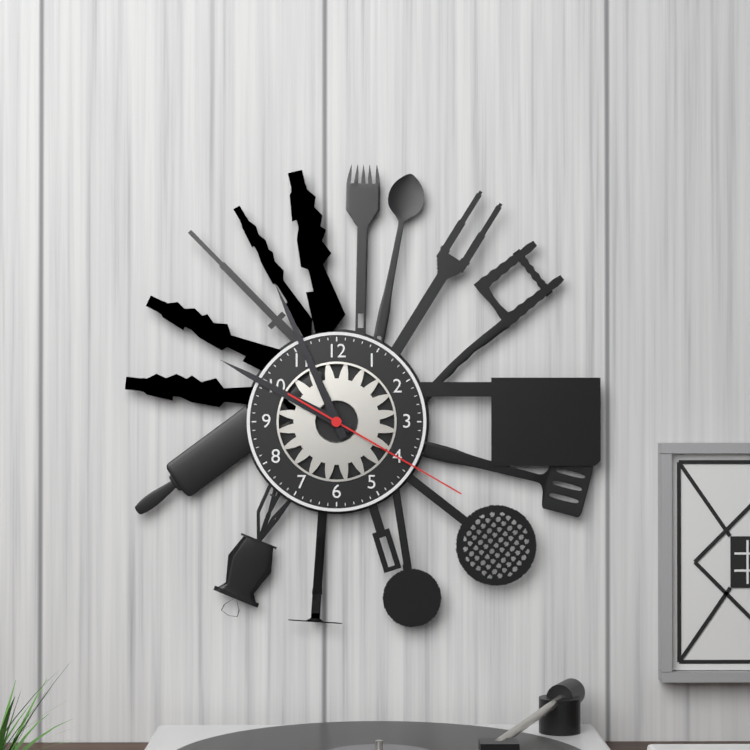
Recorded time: 9:56:20
